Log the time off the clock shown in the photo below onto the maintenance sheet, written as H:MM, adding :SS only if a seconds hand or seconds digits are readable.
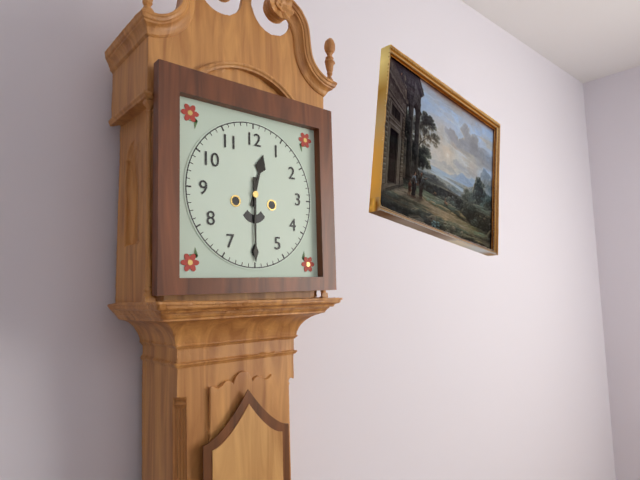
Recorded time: 12:30
